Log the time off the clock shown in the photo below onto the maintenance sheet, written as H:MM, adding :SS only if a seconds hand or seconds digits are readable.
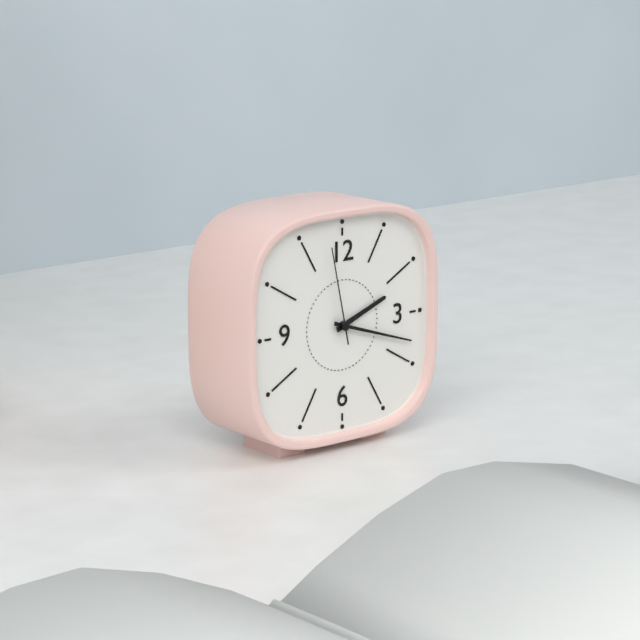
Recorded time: 2:18:58
